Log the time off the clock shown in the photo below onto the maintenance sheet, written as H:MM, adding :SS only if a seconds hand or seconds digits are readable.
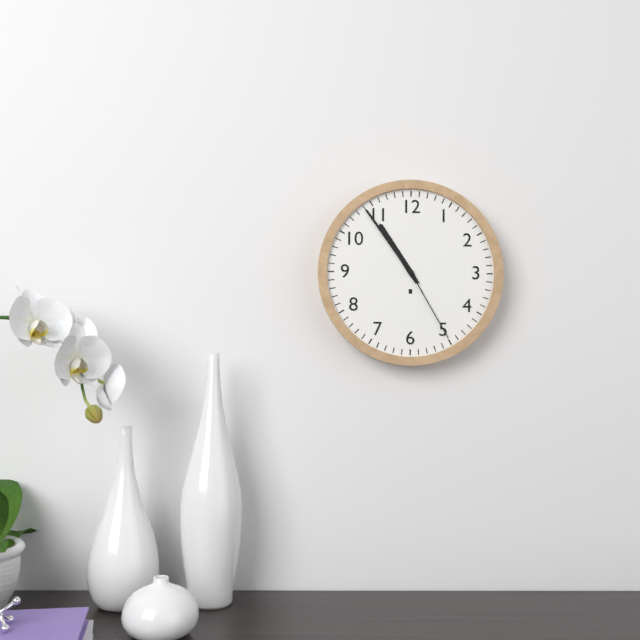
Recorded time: 10:54:25
